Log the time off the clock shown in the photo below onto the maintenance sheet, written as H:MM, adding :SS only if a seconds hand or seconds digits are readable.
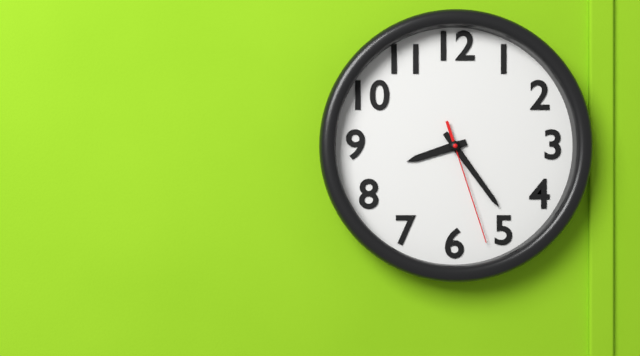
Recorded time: 8:24:27
